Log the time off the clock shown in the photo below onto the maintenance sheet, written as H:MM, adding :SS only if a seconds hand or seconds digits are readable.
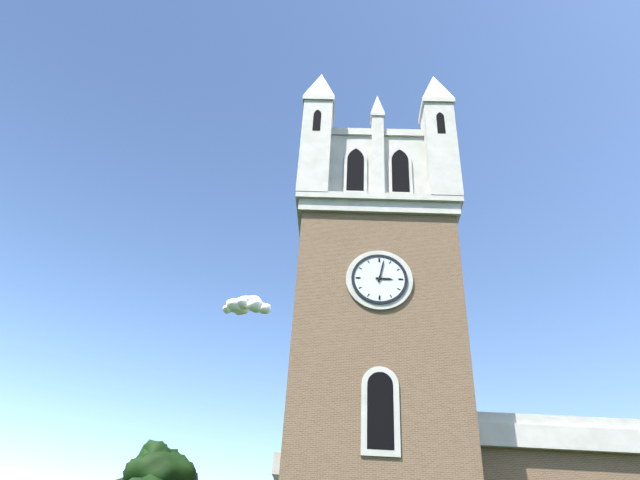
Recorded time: 3:02
